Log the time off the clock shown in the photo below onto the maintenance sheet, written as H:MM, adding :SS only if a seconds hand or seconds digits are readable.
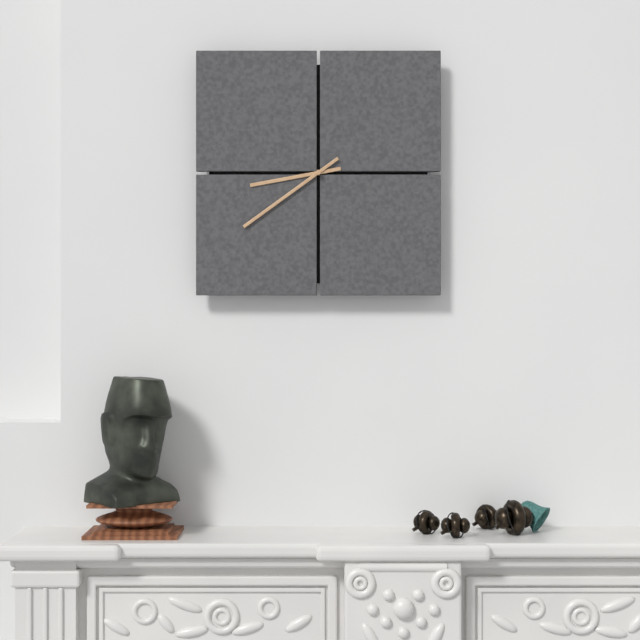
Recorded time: 8:39
